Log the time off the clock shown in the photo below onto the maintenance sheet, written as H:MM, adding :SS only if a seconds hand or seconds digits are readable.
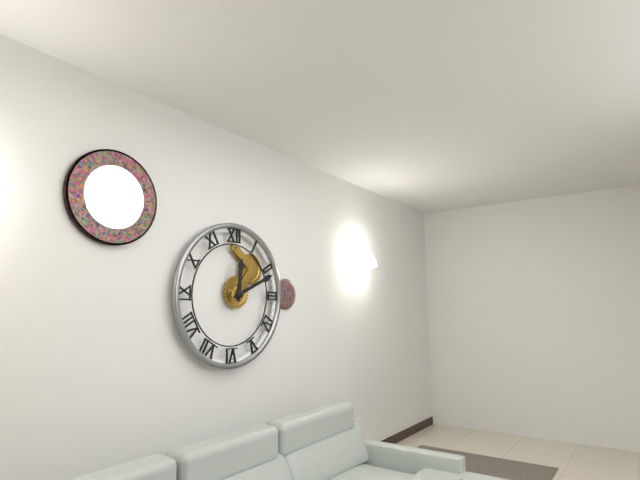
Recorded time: 12:11
